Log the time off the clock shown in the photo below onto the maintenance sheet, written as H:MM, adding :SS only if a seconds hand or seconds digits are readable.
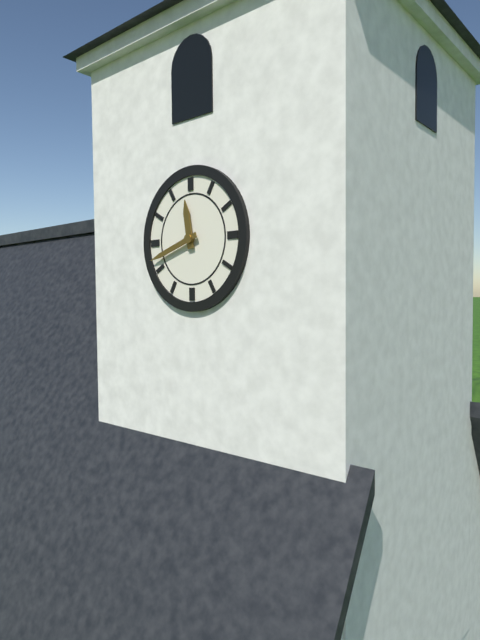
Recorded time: 11:42
